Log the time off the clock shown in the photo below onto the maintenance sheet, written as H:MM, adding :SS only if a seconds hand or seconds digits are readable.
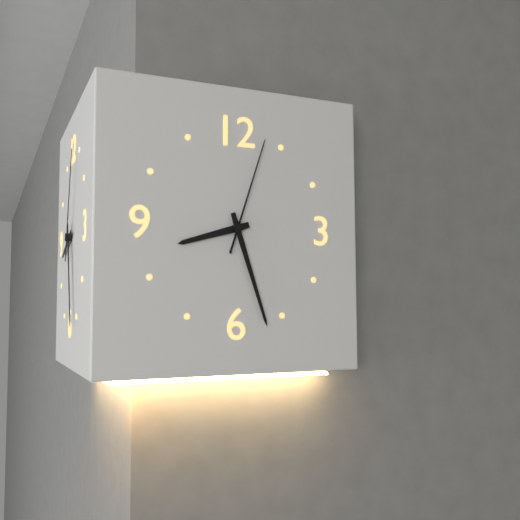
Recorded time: 8:27:03
